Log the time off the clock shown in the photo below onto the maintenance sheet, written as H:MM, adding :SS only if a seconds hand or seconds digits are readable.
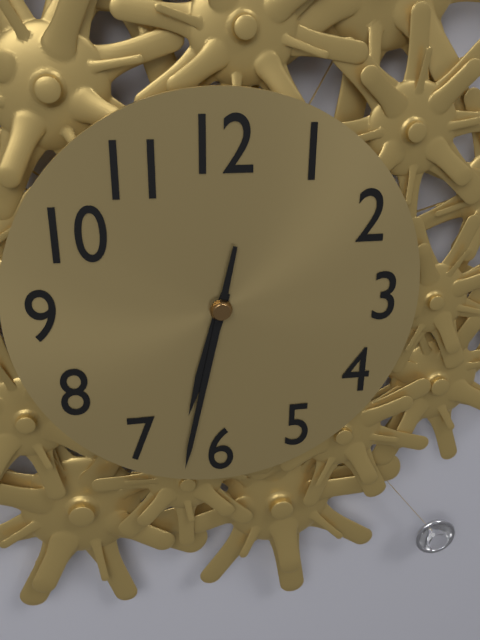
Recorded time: 6:32
